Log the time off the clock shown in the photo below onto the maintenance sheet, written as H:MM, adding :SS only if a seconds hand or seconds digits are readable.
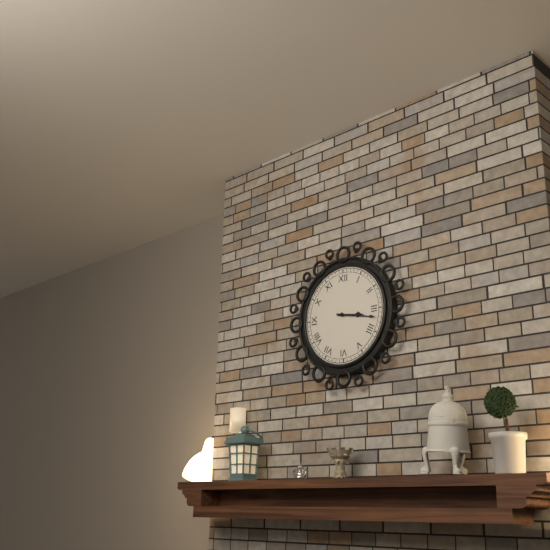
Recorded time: 3:17
